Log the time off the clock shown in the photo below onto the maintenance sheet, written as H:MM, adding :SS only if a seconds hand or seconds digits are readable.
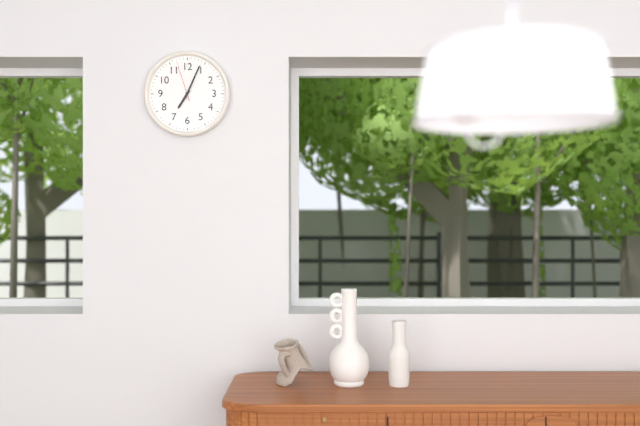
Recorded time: 7:04
